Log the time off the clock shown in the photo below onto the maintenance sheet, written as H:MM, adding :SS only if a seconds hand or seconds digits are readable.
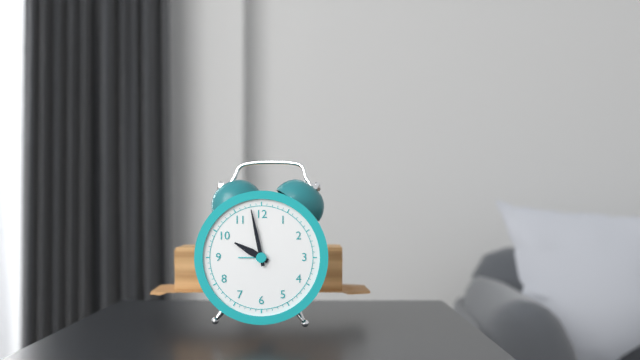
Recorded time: 9:58
